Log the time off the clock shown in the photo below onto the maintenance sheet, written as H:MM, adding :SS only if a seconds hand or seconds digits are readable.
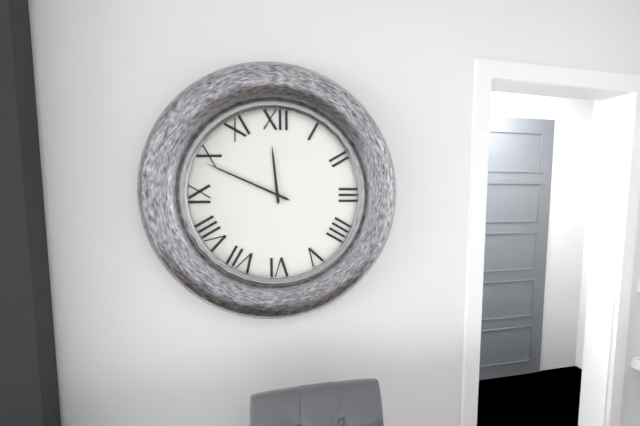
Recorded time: 11:49
